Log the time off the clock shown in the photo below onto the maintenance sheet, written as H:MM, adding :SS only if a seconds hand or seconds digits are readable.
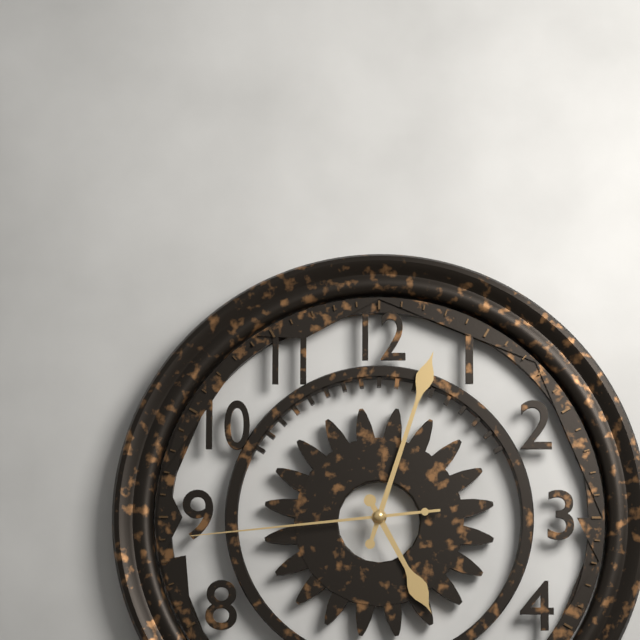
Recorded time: 5:03:44
